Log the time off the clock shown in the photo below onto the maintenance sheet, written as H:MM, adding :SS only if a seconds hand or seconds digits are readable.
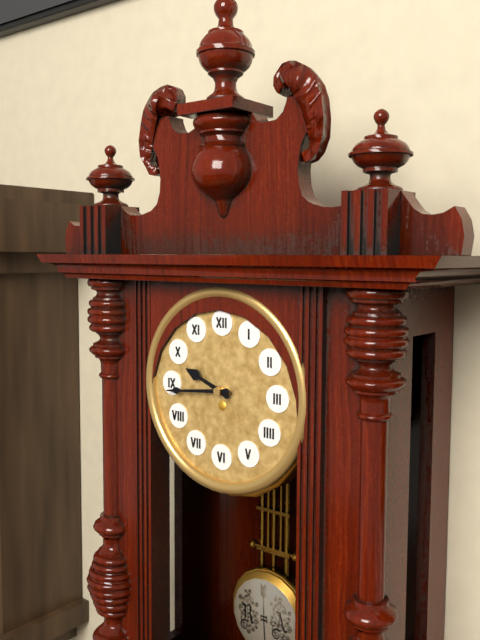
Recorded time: 9:44
